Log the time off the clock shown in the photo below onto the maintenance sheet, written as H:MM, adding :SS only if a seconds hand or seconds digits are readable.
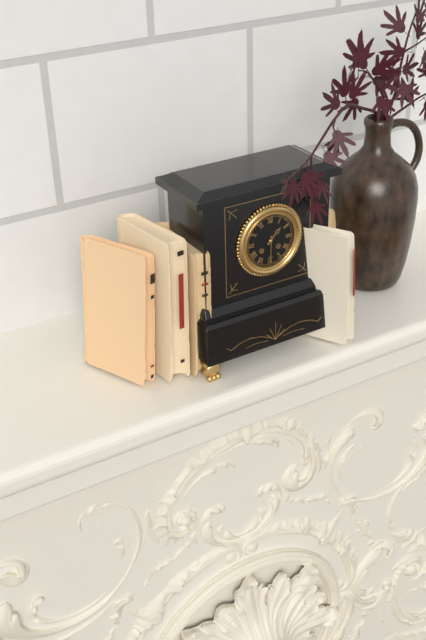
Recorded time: 1:30
